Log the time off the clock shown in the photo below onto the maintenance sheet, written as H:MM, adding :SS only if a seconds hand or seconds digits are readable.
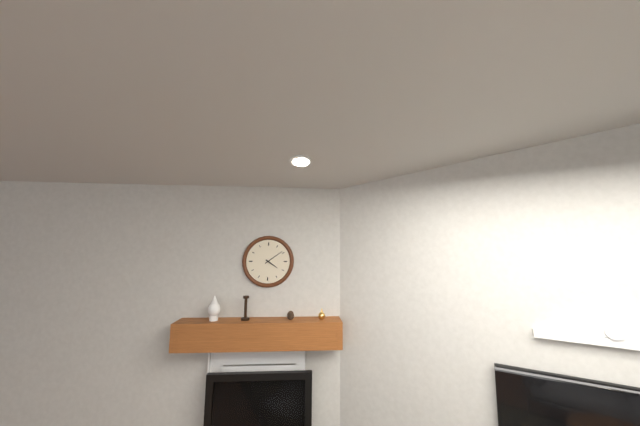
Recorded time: 4:09
